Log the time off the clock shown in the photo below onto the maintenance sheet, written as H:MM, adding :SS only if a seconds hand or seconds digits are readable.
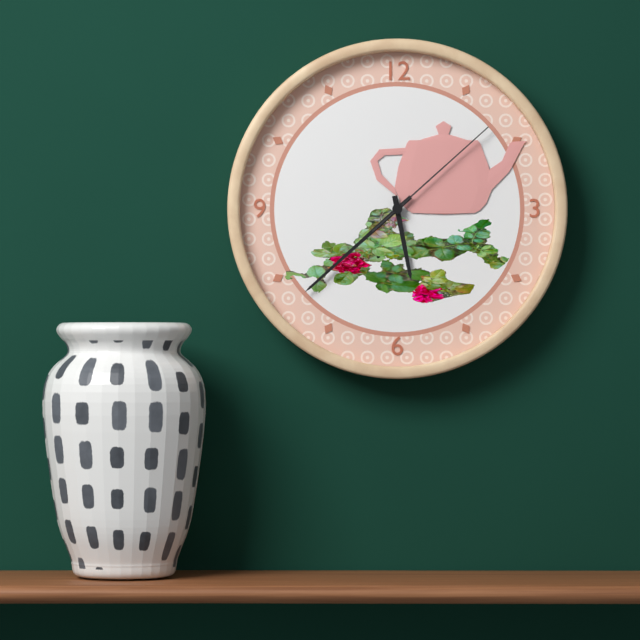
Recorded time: 5:38:08
